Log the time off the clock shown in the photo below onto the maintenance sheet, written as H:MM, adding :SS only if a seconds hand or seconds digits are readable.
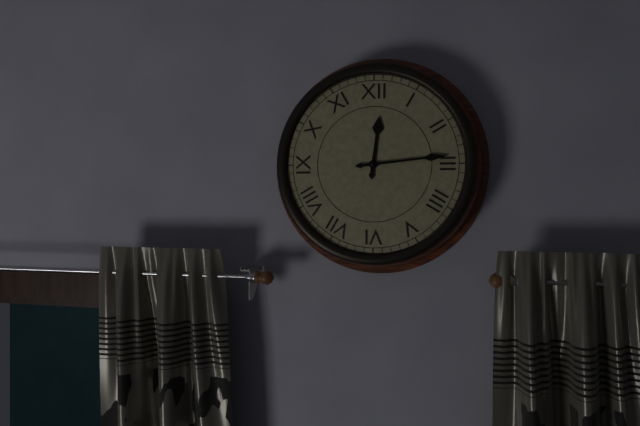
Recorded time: 12:14
